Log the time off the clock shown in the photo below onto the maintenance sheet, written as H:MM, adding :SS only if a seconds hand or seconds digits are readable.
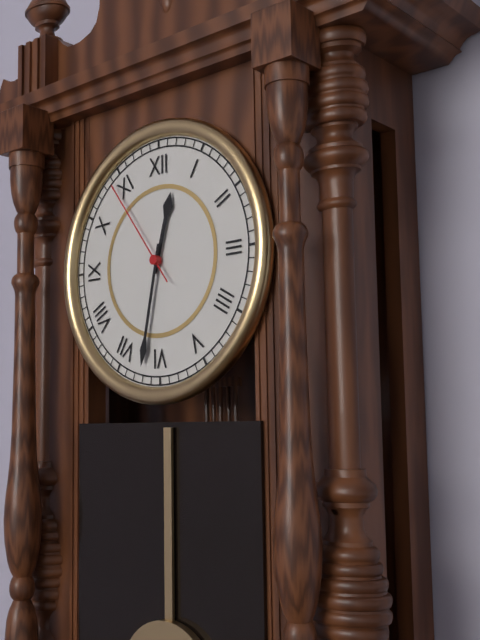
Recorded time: 12:32:54
